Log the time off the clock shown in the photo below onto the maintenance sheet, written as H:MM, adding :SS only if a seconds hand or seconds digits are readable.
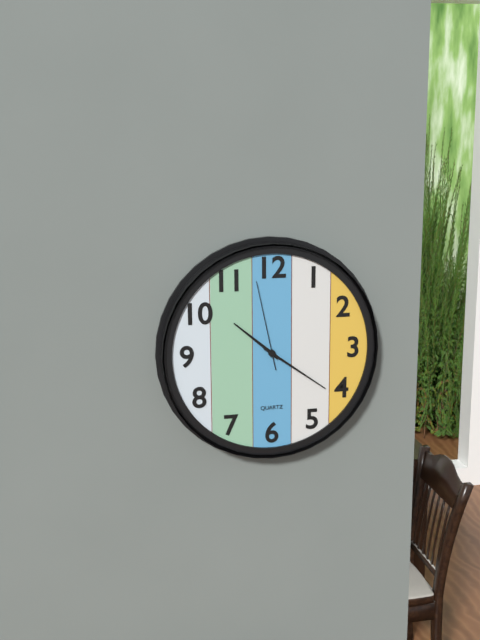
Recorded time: 10:21:58
